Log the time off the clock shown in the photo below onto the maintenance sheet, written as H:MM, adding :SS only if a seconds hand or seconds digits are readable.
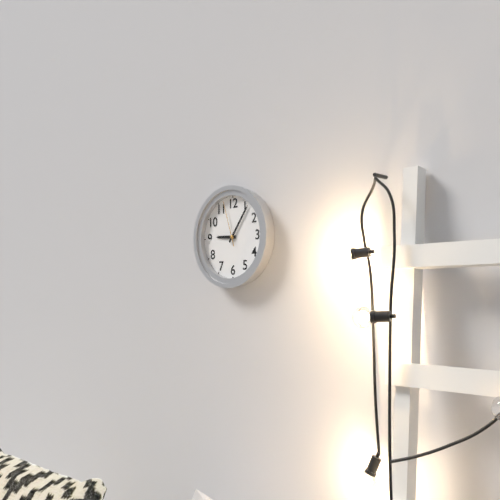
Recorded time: 9:06
